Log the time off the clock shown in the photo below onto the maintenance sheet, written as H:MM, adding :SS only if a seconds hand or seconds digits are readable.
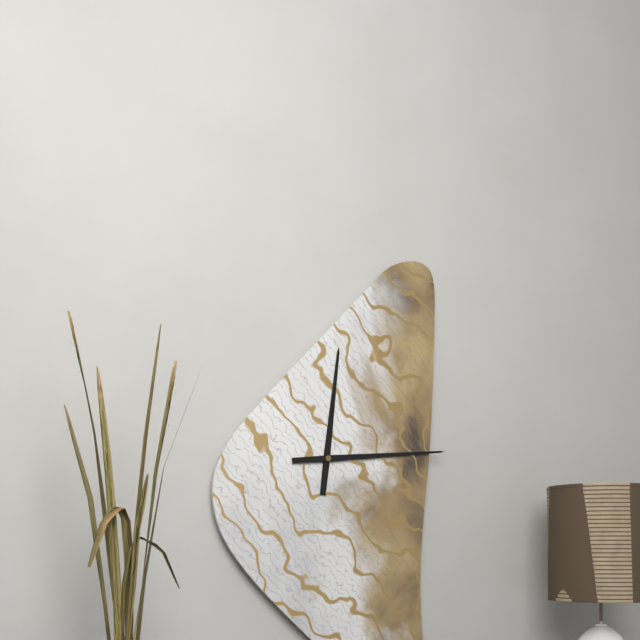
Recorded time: 12:14
